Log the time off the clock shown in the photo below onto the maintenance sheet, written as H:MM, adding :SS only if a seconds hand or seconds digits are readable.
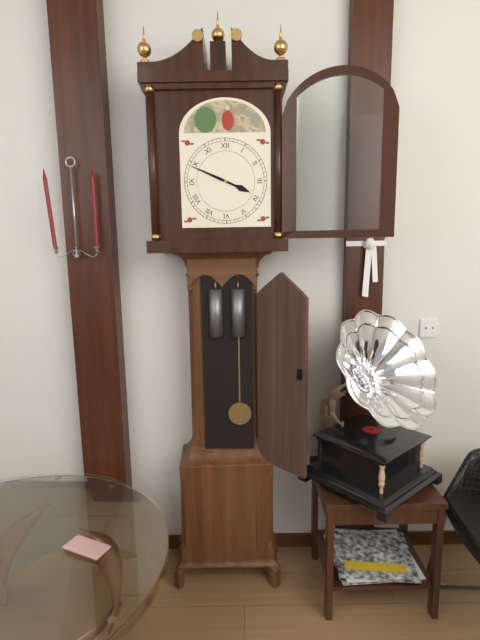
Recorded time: 3:49
